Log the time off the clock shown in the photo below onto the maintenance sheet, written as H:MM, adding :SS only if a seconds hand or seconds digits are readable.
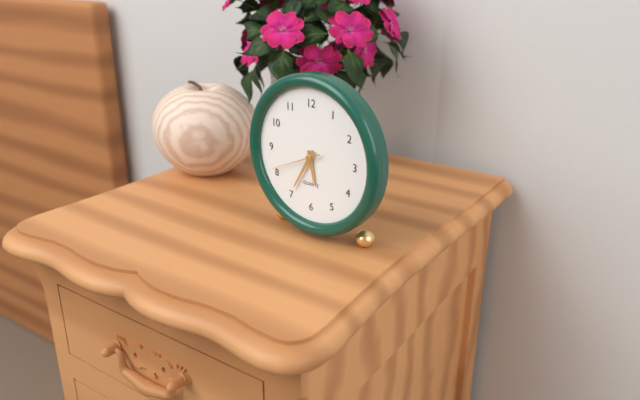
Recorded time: 5:35
